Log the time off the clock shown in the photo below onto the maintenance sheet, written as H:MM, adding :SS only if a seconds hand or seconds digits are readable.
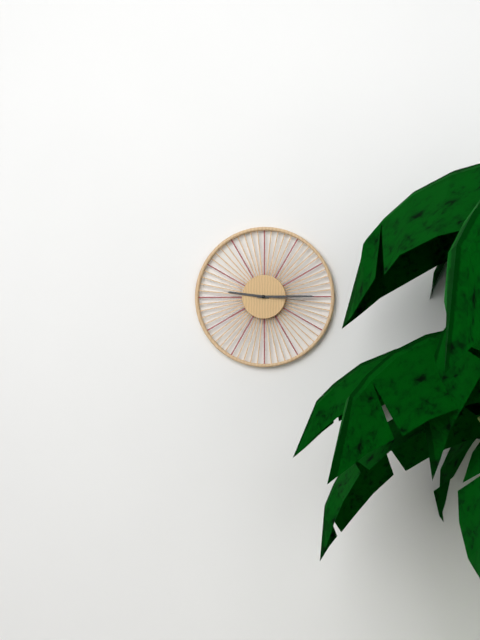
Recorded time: 9:15:16
